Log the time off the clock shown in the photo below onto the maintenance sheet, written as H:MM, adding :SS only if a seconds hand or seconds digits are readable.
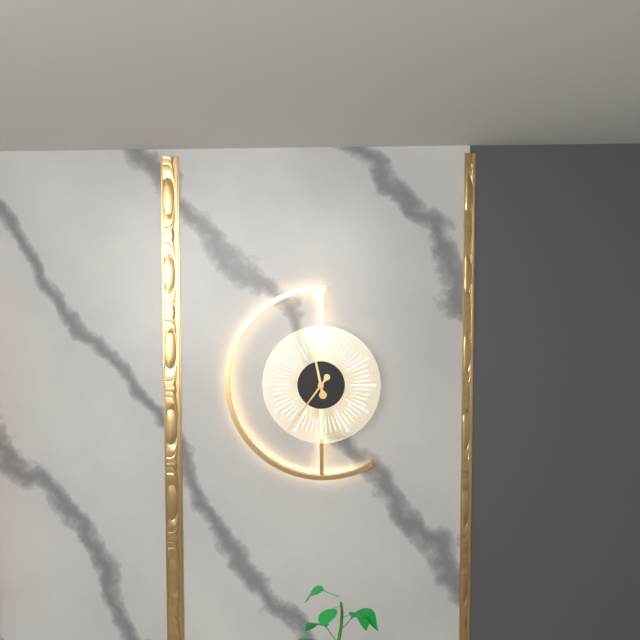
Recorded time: 11:36
